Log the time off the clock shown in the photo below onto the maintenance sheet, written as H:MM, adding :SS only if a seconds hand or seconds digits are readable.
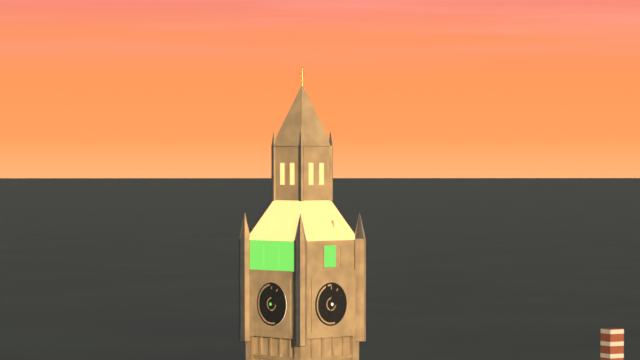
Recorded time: 12:33
